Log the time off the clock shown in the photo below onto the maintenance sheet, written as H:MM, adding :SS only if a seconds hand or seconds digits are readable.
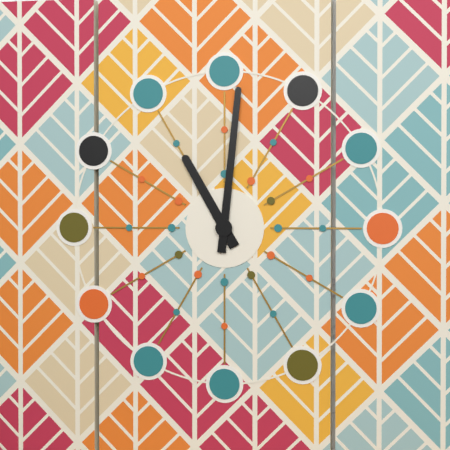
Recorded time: 11:01
